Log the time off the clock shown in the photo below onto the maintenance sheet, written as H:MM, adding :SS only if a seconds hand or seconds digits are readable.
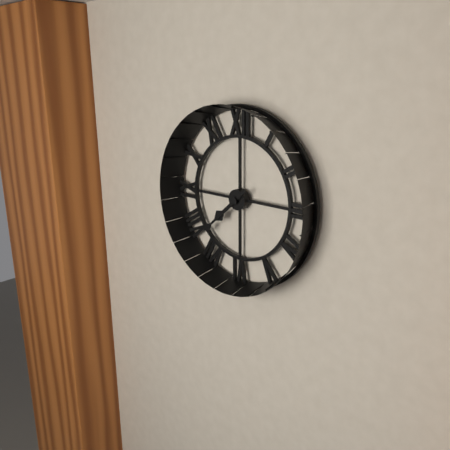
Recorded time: 7:38
